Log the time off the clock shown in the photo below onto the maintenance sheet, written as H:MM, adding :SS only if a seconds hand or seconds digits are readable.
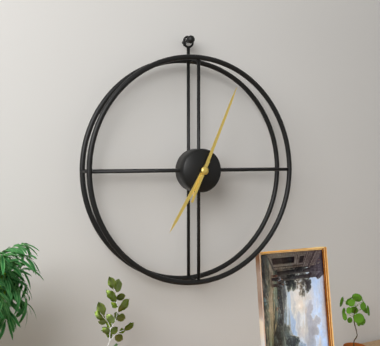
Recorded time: 7:04
